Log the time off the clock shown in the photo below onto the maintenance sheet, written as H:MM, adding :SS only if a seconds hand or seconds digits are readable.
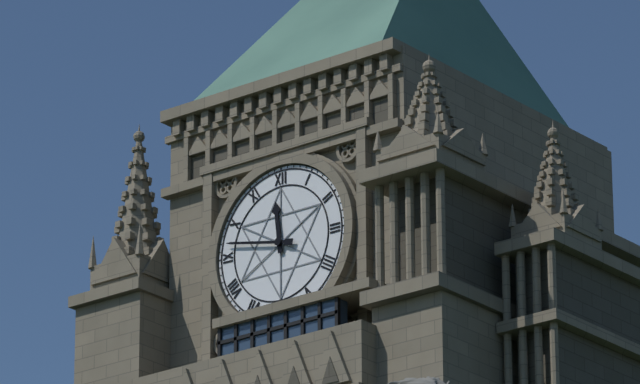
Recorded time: 11:47
